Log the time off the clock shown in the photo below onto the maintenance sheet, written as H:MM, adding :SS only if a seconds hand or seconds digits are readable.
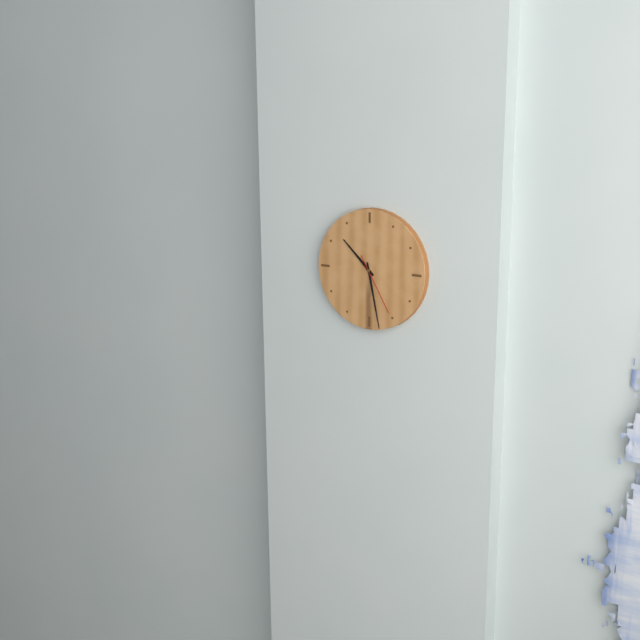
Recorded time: 10:28:25
